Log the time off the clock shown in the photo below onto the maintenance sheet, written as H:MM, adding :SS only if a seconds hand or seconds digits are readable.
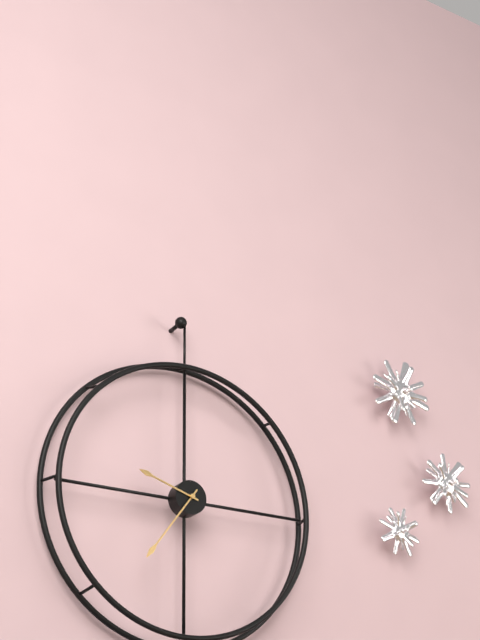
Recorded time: 9:36
